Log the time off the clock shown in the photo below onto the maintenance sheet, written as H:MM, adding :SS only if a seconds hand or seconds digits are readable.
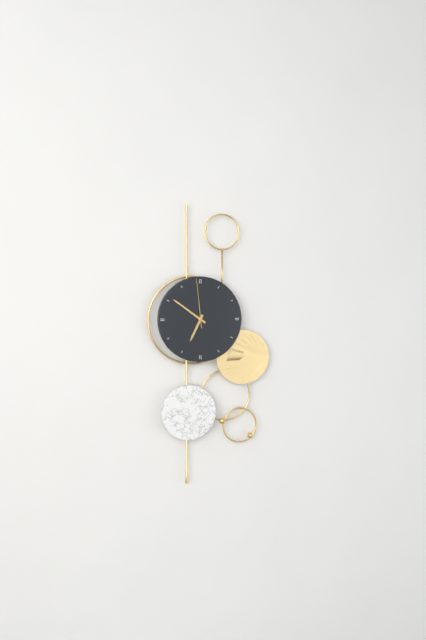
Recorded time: 6:51:59
